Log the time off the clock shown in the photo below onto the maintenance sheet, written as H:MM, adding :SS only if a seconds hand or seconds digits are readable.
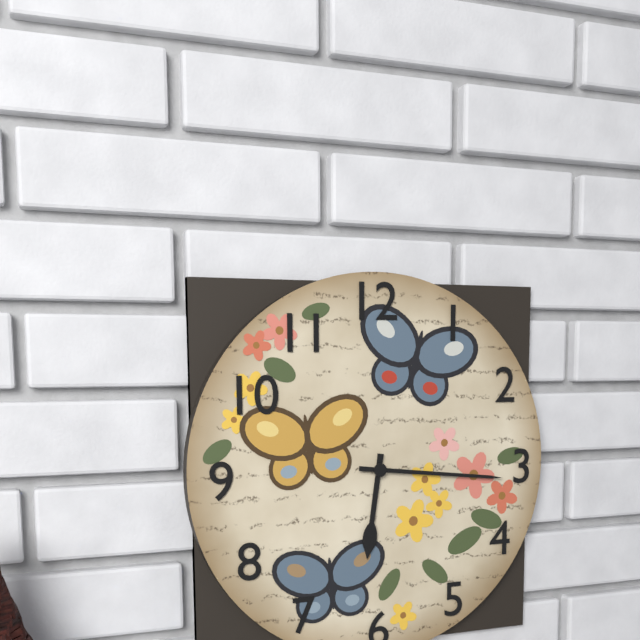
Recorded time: 6:16
